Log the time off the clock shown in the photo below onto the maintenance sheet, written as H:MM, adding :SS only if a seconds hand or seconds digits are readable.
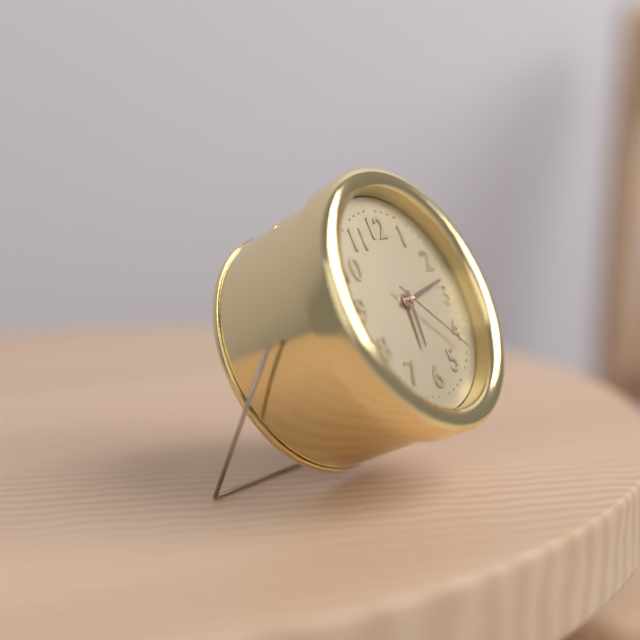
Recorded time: 6:13:22
